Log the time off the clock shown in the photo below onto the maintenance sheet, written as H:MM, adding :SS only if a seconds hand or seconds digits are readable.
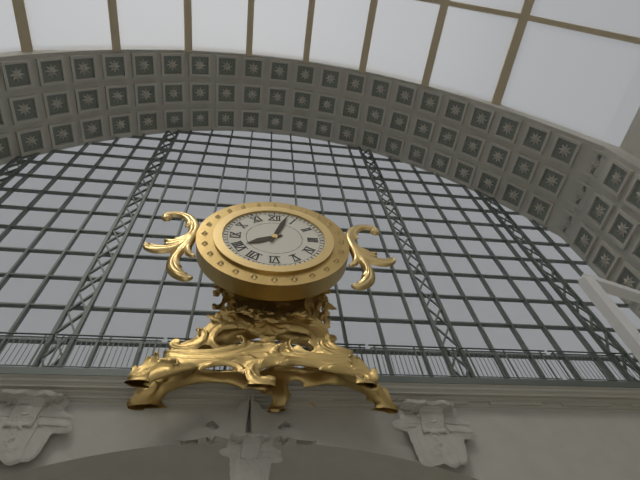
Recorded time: 8:03
